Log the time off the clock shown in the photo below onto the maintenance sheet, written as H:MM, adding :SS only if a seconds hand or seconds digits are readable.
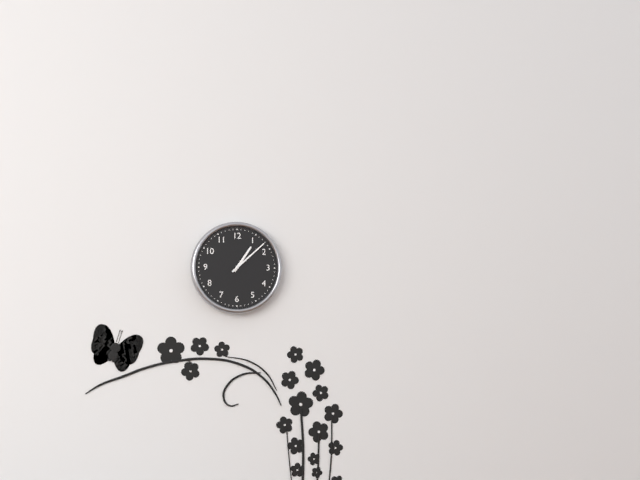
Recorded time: 1:08
